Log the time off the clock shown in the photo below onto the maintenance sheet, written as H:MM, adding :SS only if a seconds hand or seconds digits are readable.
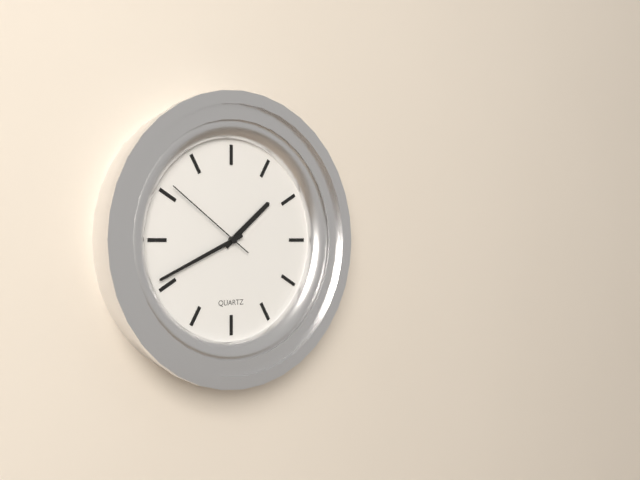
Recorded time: 1:41:51
